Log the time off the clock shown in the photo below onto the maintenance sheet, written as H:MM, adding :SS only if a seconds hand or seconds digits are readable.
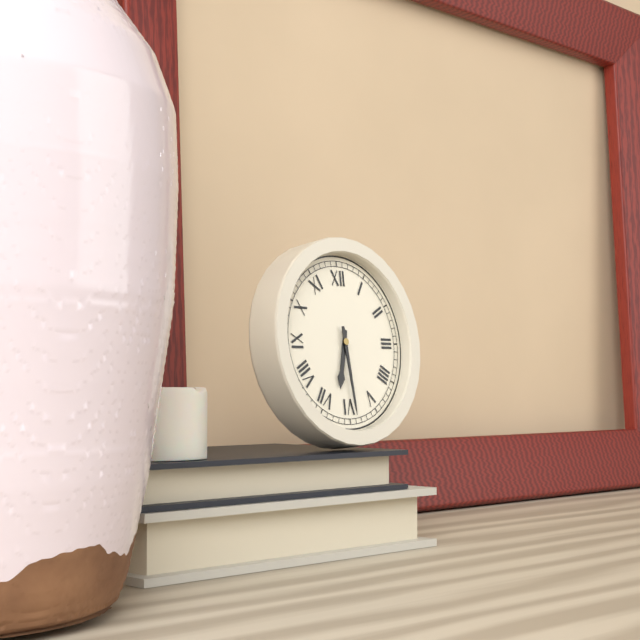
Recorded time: 6:29
